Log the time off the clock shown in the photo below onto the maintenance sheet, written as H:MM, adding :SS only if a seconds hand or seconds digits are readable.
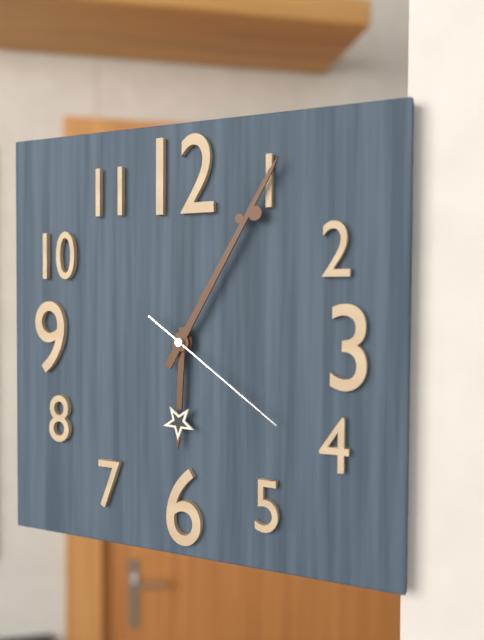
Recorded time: 6:05:21
